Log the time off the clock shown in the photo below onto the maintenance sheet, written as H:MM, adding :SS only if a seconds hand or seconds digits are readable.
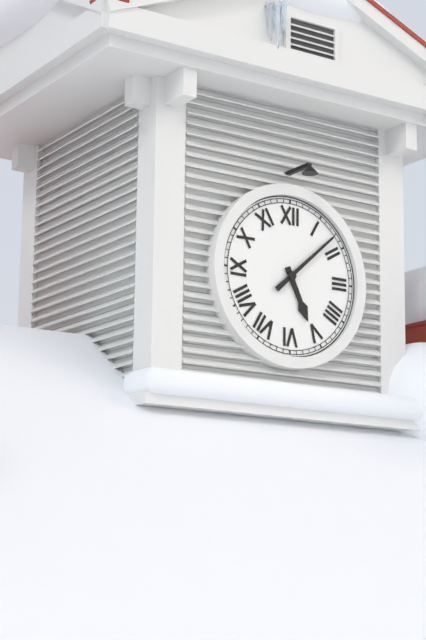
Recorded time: 5:08
